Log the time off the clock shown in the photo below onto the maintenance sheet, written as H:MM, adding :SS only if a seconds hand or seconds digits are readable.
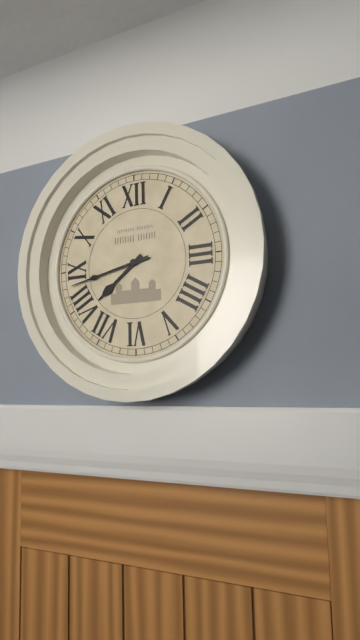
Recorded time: 7:43
